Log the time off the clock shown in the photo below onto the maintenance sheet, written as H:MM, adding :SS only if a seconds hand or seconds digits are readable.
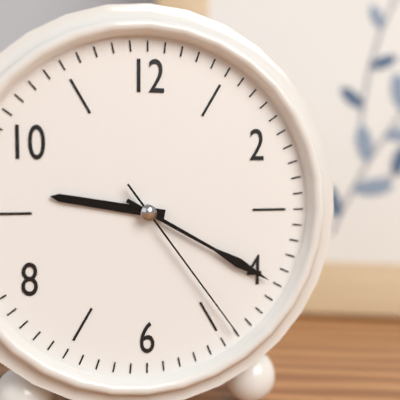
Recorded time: 9:20:24
